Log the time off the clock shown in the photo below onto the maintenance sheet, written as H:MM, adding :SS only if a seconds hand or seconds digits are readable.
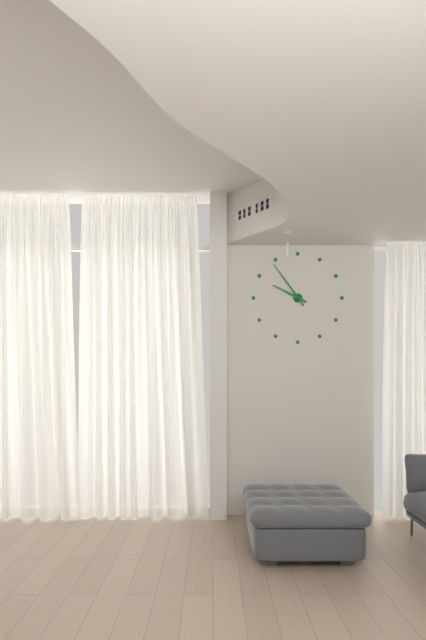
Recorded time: 9:54
